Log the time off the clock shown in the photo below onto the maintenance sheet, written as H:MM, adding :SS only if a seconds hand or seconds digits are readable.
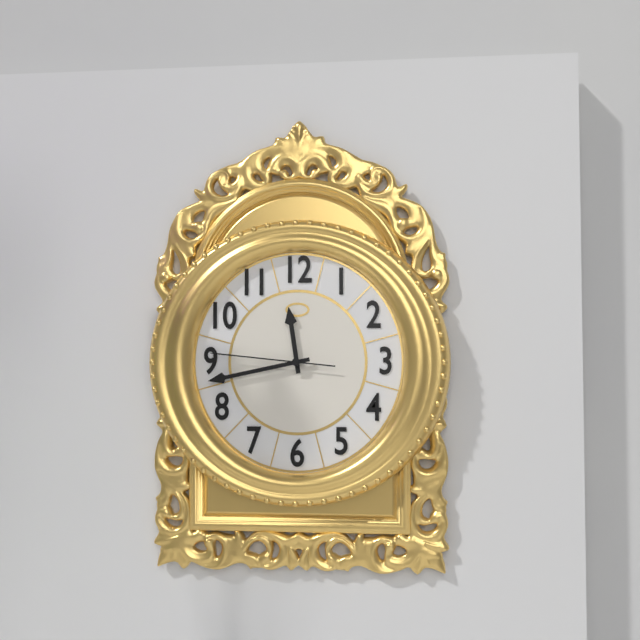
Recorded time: 11:43:46
